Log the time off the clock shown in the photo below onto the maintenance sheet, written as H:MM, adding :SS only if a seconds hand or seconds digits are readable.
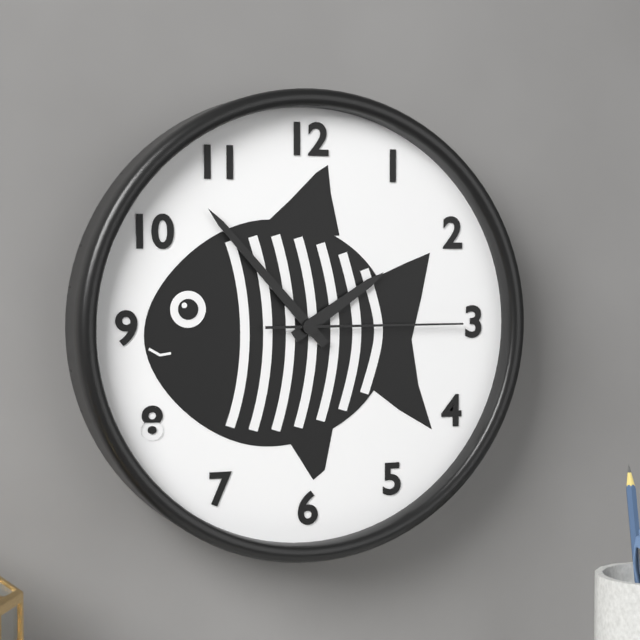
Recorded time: 1:53:15
